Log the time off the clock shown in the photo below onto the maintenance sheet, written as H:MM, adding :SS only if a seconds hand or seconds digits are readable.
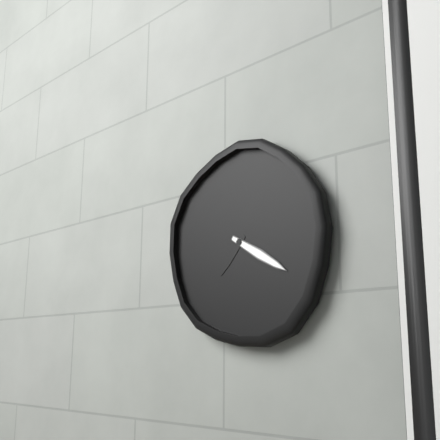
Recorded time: 7:20
